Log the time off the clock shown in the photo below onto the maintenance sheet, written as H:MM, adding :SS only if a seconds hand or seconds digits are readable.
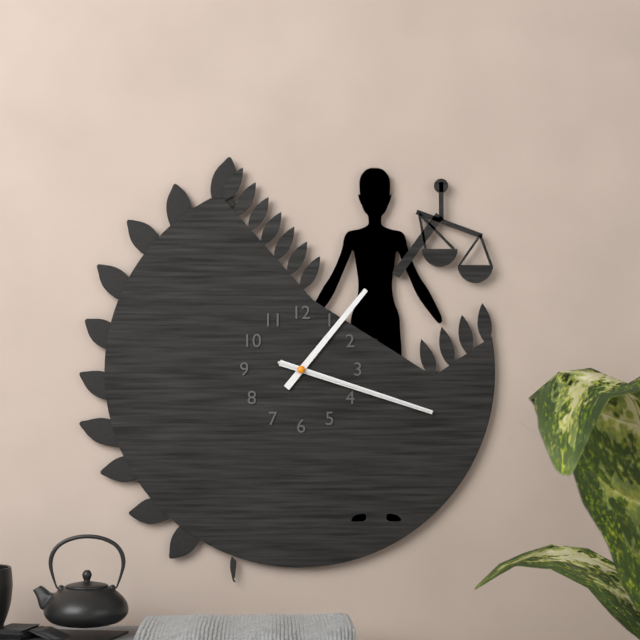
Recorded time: 1:18:18
